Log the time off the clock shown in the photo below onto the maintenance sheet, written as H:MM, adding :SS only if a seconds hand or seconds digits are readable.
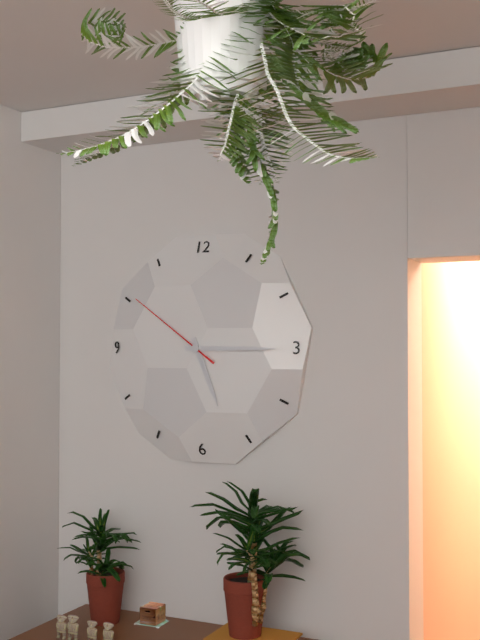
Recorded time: 5:15:51
